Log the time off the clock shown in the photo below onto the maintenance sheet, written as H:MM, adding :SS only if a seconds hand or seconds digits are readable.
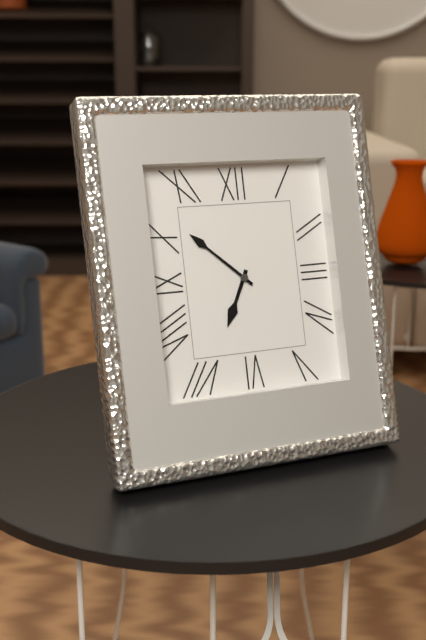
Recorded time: 6:52
